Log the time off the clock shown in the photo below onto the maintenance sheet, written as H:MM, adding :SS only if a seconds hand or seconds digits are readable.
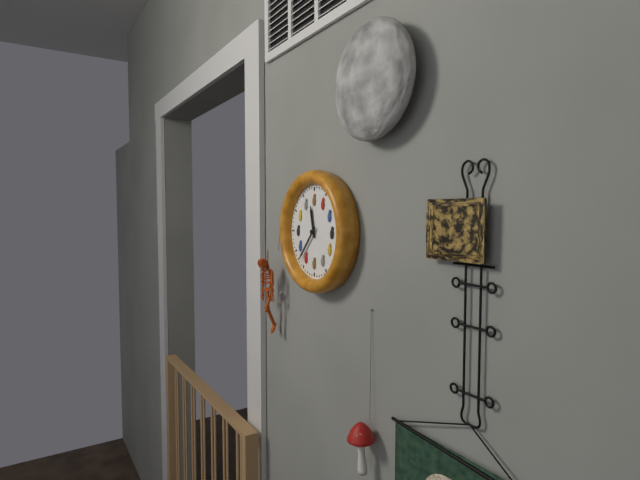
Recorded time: 11:37
